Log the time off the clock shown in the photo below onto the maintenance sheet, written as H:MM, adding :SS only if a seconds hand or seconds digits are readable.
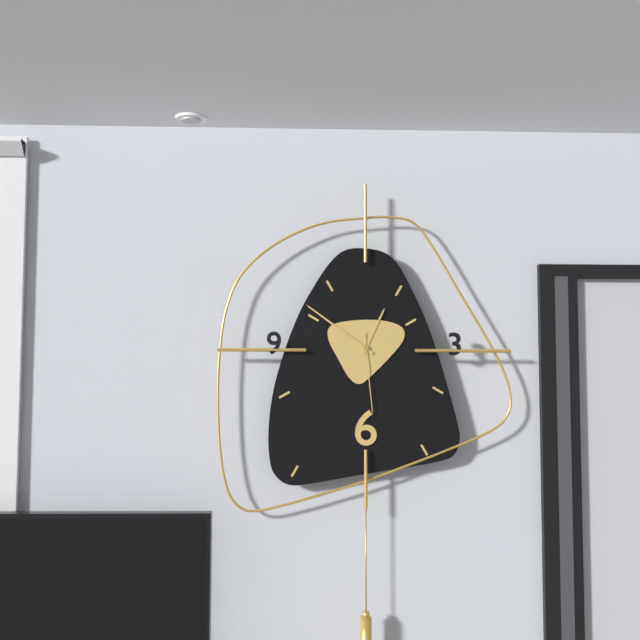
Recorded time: 12:51:29
